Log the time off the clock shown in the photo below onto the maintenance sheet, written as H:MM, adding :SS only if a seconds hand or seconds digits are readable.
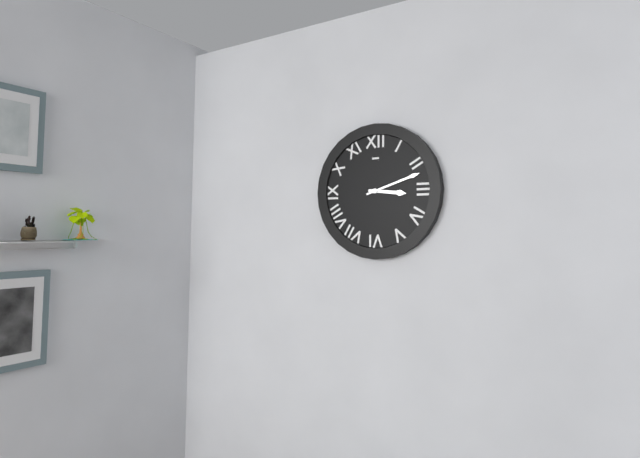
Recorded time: 3:12
